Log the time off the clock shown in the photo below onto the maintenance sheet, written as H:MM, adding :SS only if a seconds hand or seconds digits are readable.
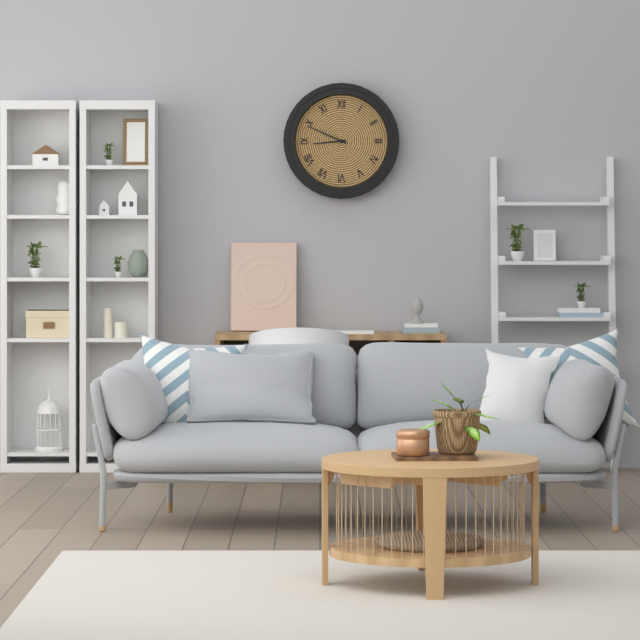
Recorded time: 8:49
